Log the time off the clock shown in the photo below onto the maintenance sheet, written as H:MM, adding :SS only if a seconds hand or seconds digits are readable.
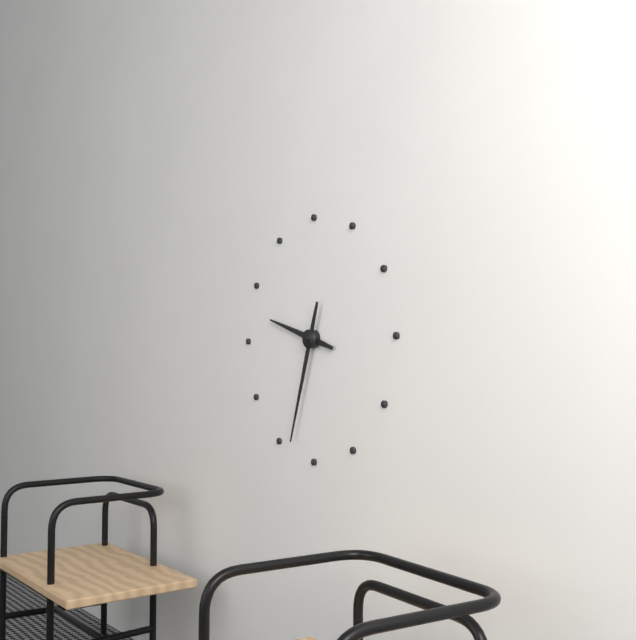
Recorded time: 9:33
